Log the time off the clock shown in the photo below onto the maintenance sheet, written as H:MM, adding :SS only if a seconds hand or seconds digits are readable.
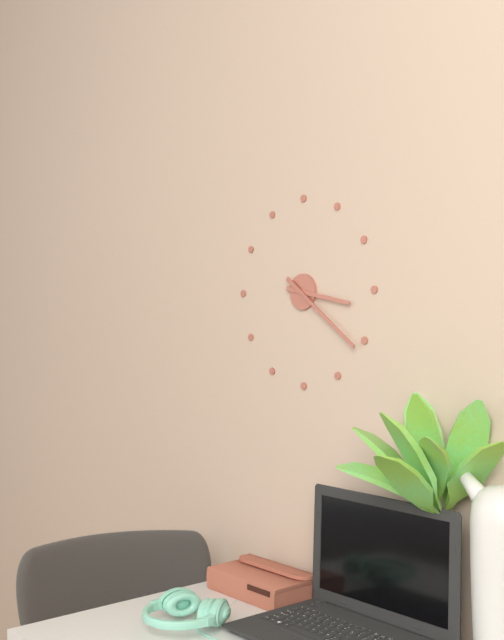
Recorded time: 3:21
